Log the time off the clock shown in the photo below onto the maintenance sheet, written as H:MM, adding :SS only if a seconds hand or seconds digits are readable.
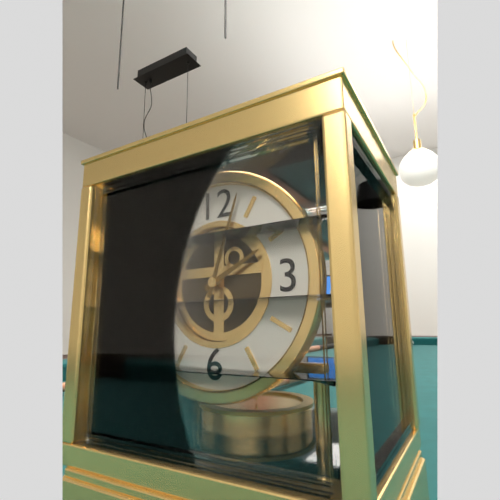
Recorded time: 2:03
